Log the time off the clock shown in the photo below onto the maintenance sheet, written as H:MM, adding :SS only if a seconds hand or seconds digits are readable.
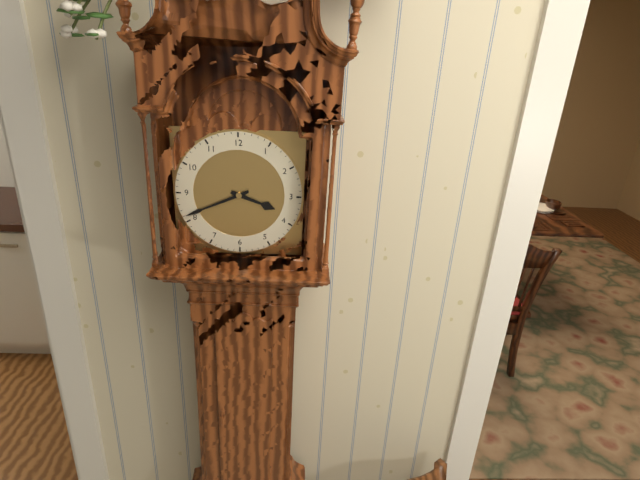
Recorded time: 3:41
